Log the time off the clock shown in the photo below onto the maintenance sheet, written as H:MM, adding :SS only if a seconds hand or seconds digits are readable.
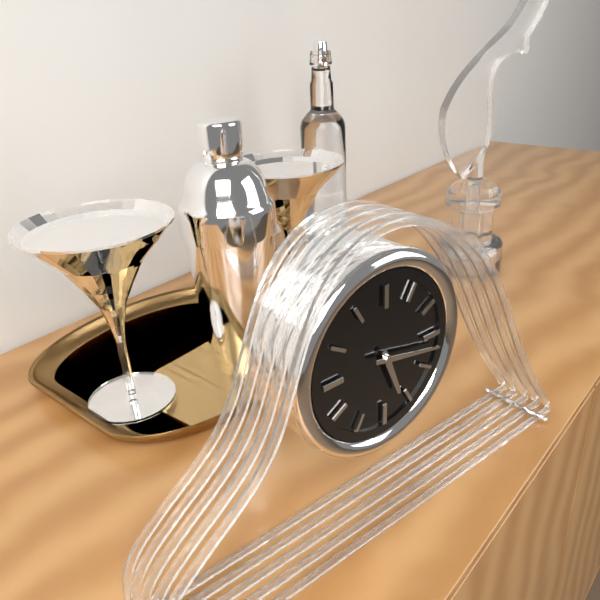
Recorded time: 5:17
